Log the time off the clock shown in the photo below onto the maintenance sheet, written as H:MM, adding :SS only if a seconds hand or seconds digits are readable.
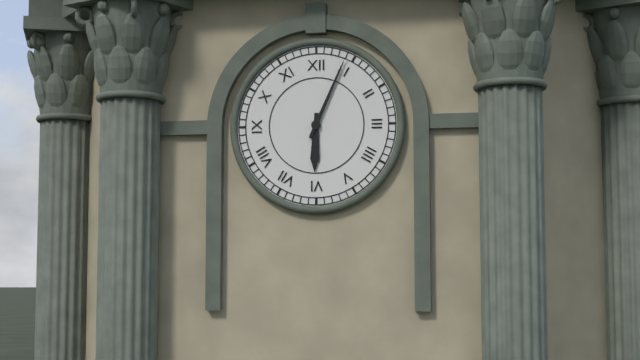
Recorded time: 6:04
